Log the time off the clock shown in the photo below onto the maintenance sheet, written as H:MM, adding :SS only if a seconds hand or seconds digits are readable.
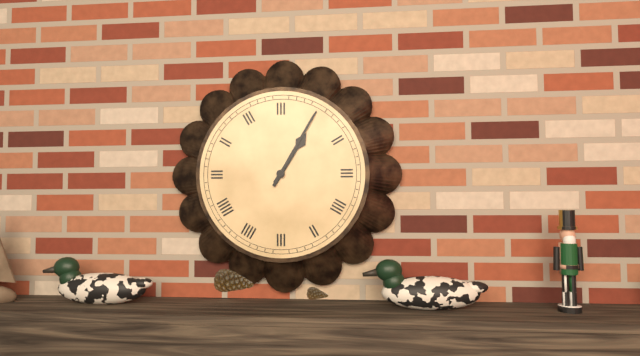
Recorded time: 1:05
